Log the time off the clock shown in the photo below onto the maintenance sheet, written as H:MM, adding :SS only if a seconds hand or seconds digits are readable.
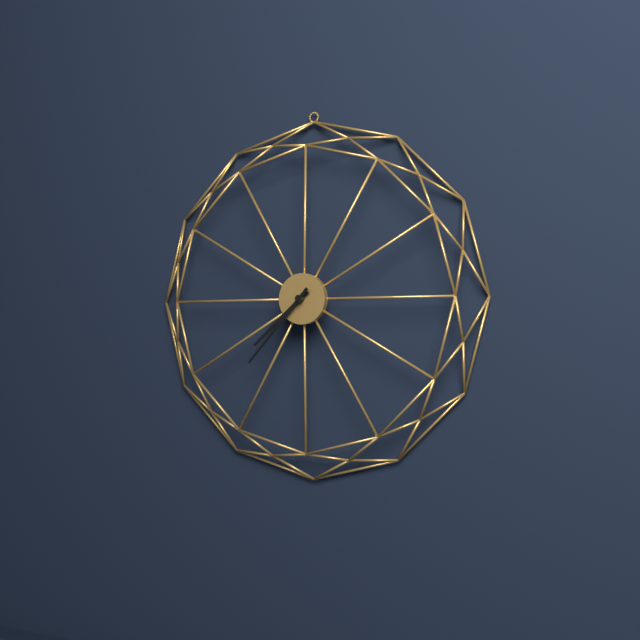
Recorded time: 7:37
